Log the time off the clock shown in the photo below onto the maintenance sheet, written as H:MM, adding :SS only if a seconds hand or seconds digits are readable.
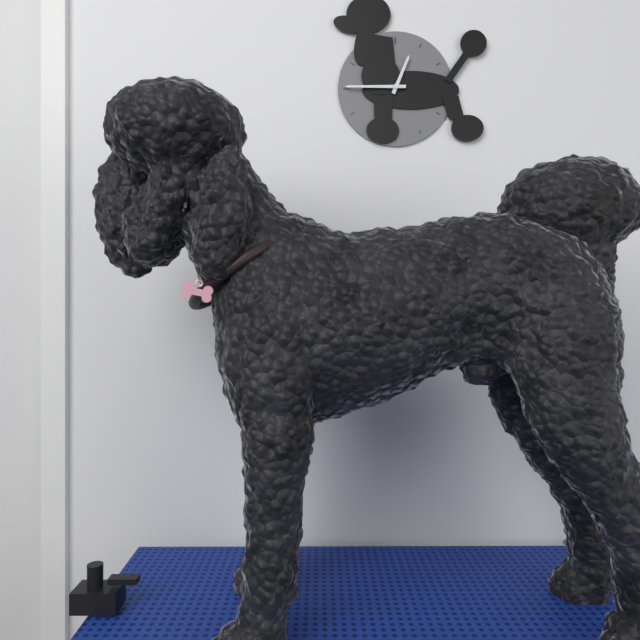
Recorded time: 12:45
